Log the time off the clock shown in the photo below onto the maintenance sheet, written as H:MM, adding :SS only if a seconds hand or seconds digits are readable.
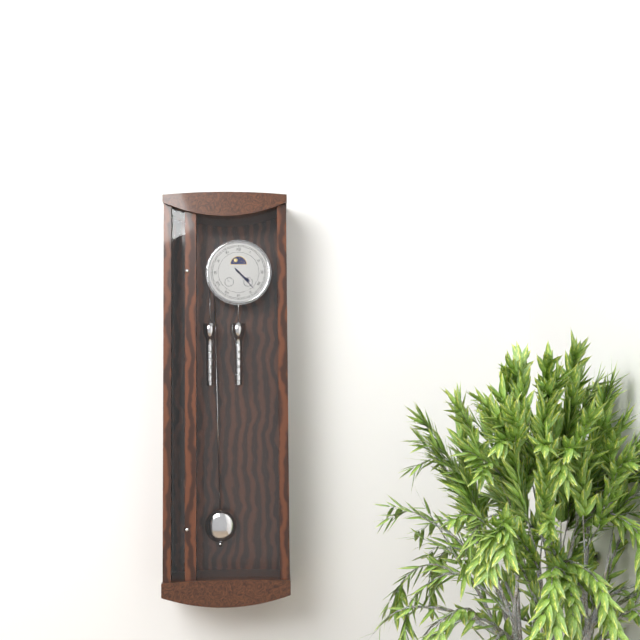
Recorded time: 4:23
